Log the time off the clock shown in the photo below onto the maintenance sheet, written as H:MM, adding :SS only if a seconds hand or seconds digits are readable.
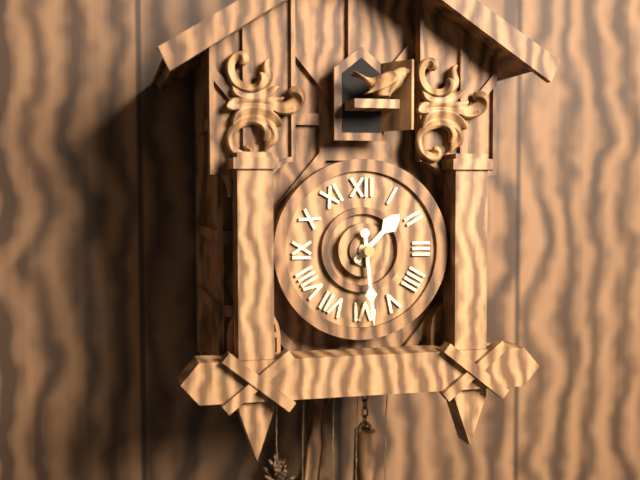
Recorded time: 1:29
